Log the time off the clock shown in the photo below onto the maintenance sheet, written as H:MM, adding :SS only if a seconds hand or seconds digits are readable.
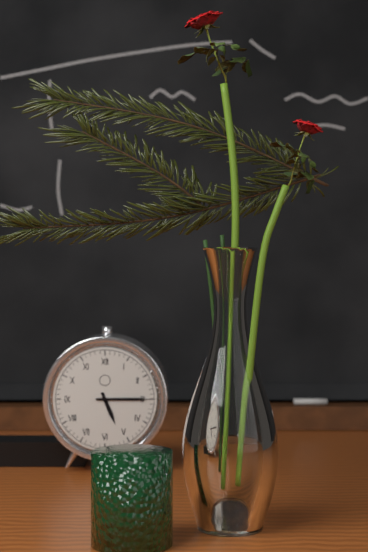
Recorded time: 5:15
